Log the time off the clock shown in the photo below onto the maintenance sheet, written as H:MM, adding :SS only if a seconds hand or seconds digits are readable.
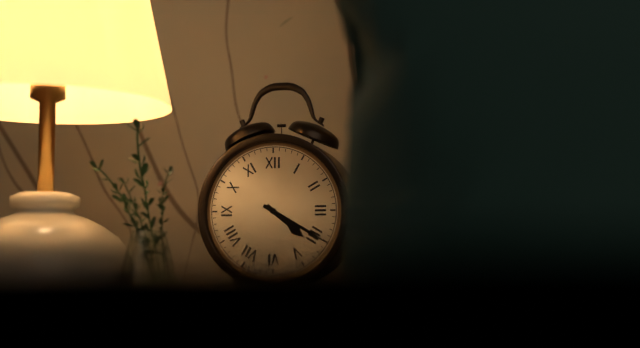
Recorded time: 4:20
